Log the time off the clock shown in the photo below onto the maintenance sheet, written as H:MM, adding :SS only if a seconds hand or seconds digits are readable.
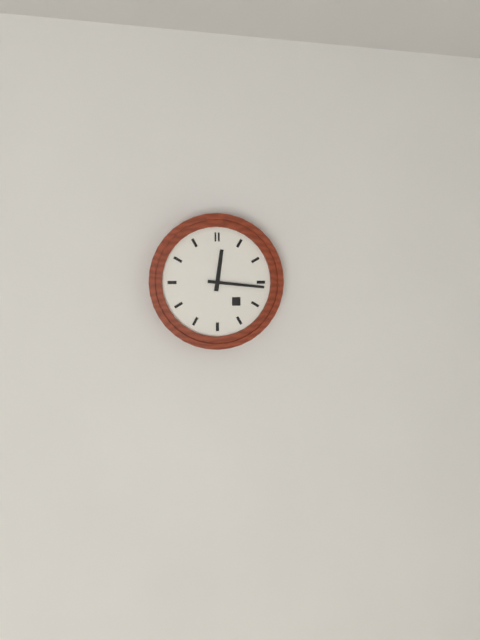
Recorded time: 12:16
